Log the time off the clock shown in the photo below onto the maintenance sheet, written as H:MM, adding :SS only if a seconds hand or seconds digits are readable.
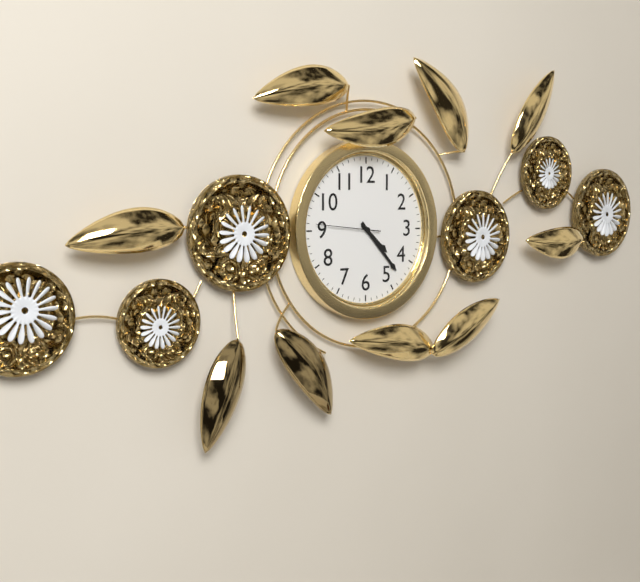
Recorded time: 4:23:46
